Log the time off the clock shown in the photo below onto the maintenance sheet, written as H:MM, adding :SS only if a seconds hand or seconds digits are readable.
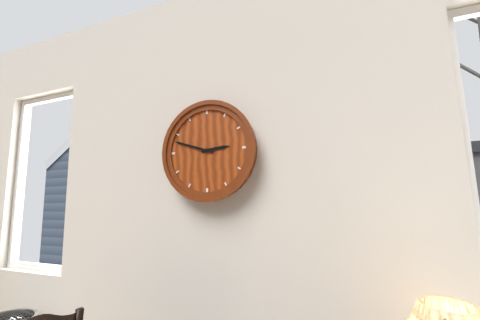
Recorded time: 2:48
